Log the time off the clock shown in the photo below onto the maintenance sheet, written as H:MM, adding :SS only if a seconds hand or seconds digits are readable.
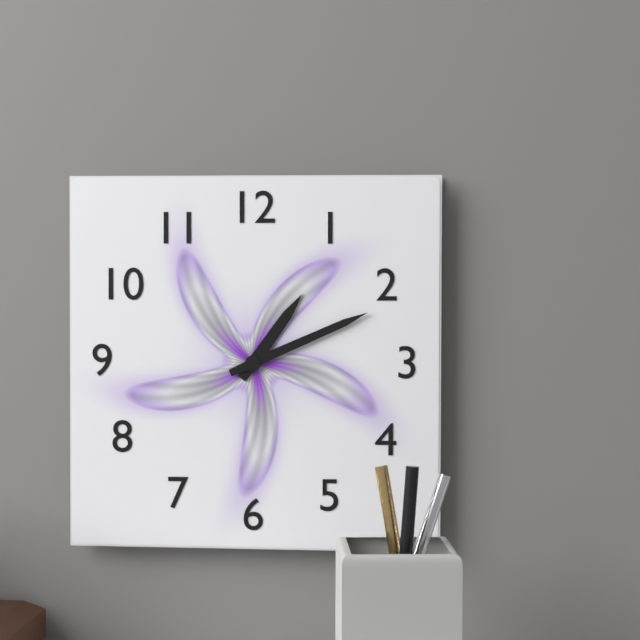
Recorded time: 1:11
